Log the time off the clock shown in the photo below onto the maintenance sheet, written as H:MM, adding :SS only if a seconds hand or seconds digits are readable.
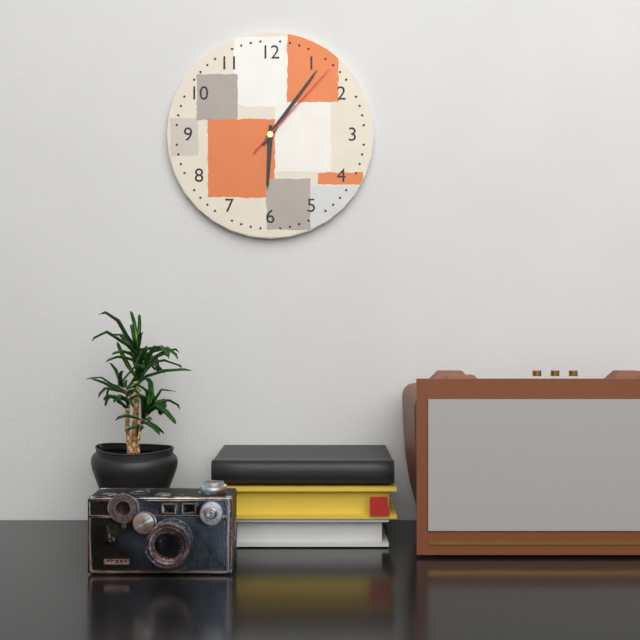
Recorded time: 6:06:07
